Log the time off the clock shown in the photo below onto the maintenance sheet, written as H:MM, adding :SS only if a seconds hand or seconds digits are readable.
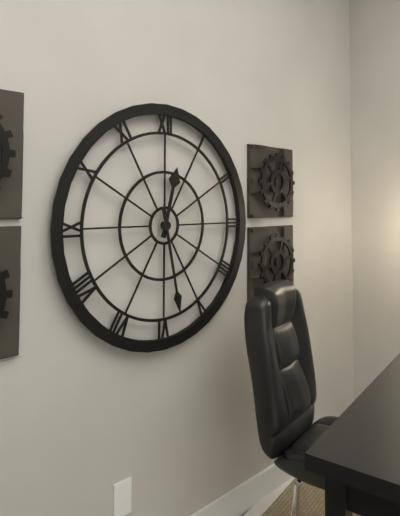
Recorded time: 12:28
